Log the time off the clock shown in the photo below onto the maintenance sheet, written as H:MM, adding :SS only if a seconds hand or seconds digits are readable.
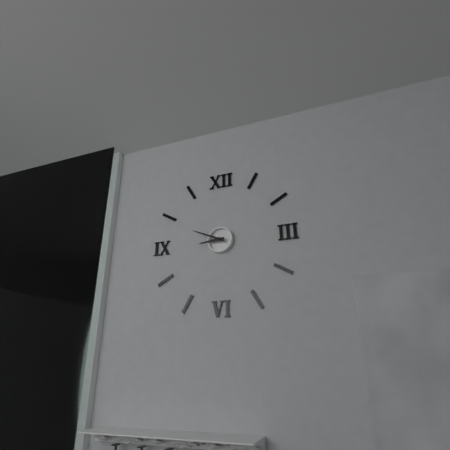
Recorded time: 8:49
